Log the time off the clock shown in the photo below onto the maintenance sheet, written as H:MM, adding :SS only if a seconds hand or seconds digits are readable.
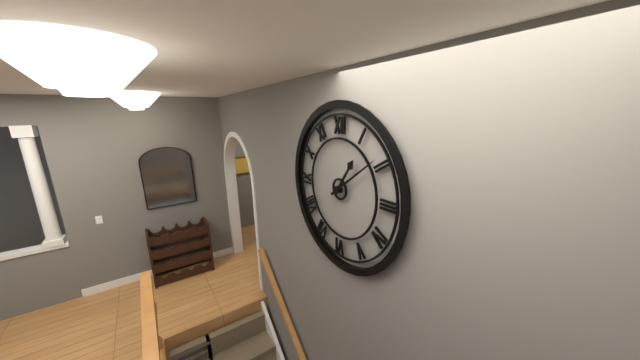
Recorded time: 1:09
